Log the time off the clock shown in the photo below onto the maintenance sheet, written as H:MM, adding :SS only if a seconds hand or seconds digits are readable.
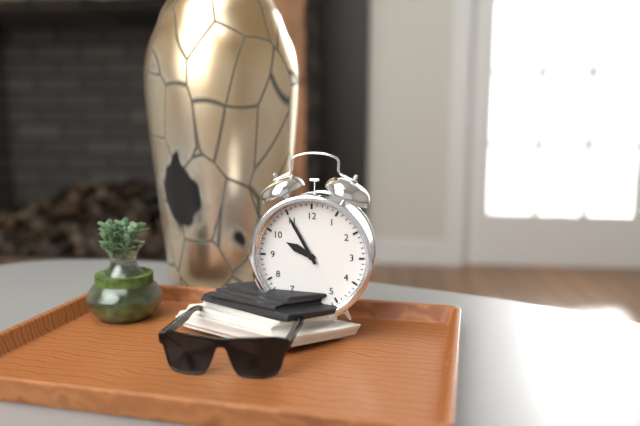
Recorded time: 9:55
